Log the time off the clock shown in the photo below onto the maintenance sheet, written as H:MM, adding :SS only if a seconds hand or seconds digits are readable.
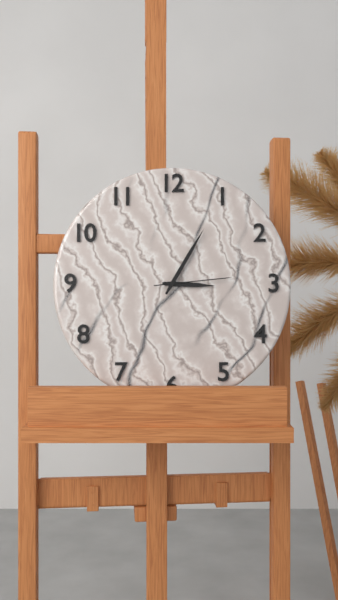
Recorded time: 3:05:14
